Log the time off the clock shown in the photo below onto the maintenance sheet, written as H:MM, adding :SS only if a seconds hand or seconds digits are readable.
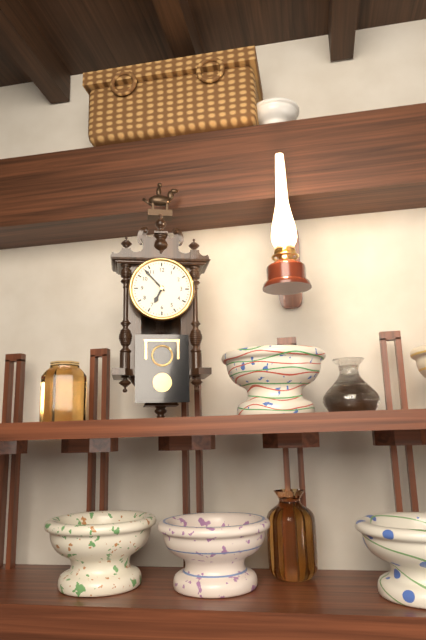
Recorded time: 6:53
